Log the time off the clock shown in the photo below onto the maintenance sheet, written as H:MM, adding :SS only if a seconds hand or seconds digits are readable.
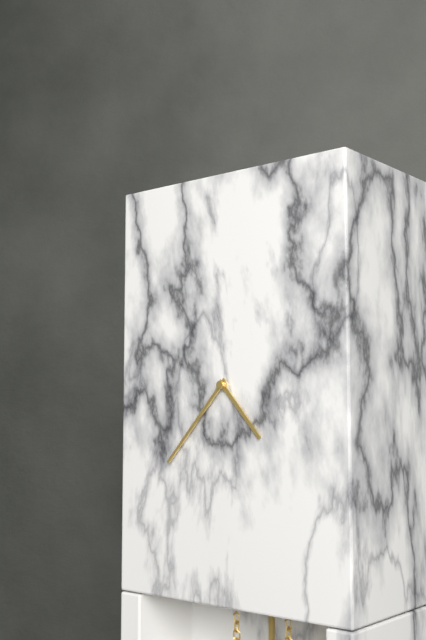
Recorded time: 4:37
